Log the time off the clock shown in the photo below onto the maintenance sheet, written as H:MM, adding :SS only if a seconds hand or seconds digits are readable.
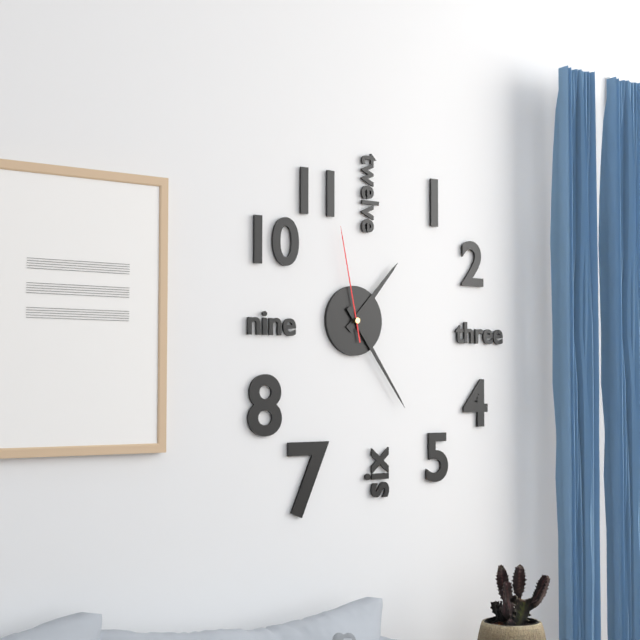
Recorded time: 1:24:58
